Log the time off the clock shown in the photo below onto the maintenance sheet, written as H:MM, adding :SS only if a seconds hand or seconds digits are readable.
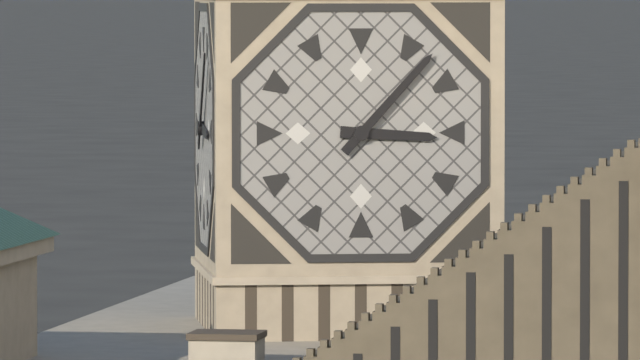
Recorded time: 3:07
